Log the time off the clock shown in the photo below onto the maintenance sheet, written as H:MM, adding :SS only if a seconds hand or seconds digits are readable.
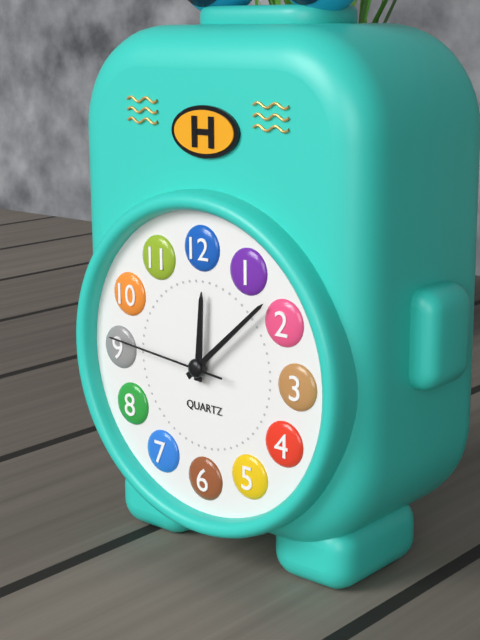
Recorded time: 12:08:46
